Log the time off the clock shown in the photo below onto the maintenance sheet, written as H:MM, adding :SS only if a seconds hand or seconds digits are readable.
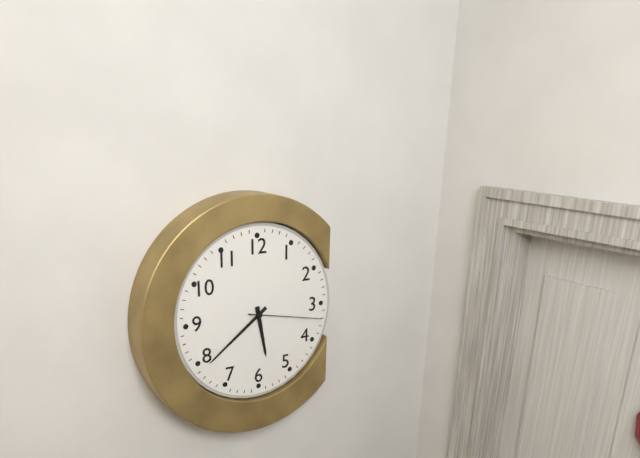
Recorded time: 5:39:17
